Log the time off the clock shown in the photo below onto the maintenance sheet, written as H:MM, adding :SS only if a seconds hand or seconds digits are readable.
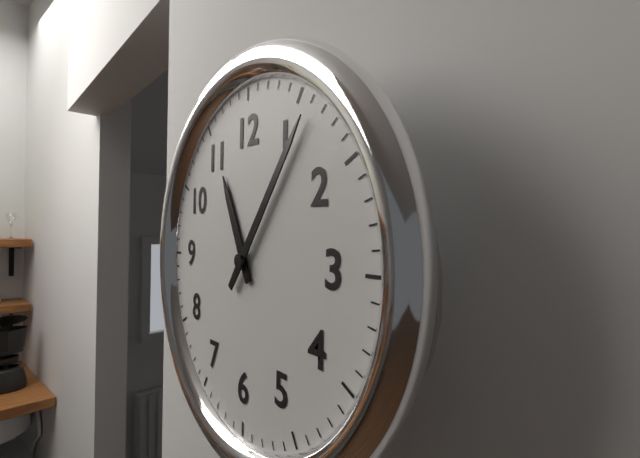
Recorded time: 11:06
